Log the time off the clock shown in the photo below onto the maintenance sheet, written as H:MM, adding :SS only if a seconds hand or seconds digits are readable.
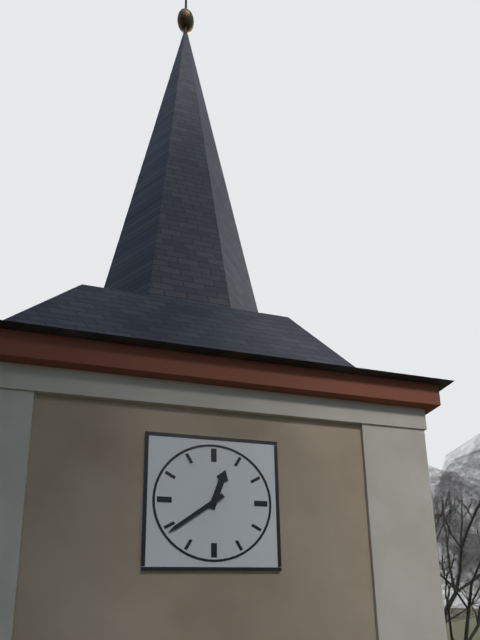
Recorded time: 12:39
